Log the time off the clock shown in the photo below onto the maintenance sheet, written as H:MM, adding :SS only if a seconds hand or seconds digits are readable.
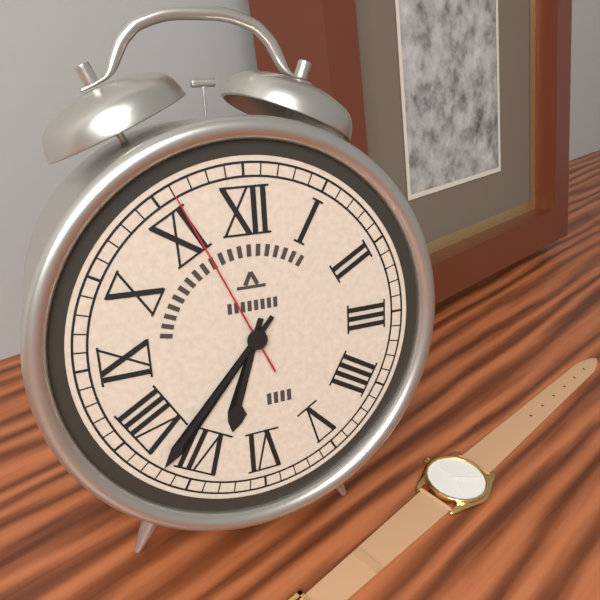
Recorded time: 6:37:56
